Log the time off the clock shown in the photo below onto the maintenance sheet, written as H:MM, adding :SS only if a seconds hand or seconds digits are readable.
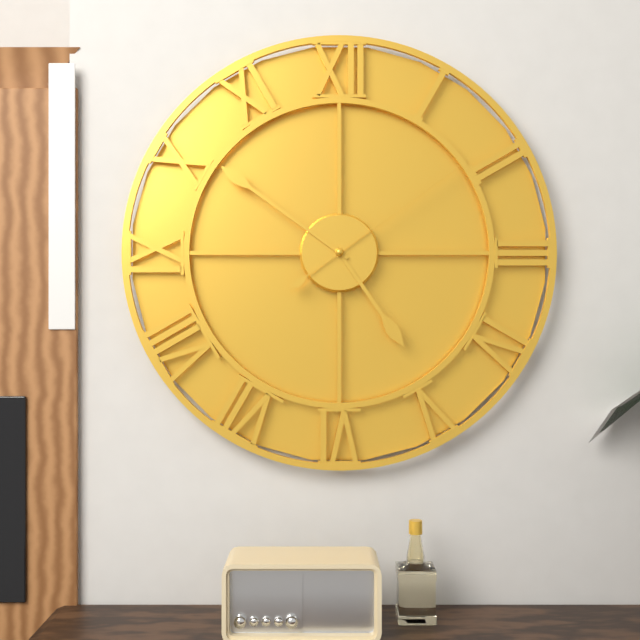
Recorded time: 4:51:09
